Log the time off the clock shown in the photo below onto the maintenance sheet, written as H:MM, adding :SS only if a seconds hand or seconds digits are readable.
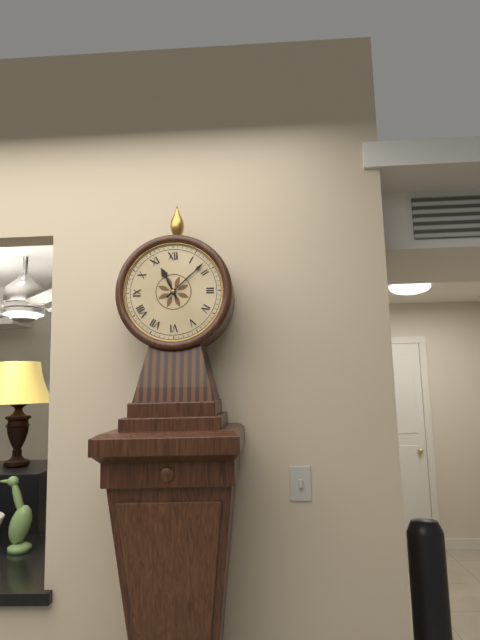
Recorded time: 11:08
